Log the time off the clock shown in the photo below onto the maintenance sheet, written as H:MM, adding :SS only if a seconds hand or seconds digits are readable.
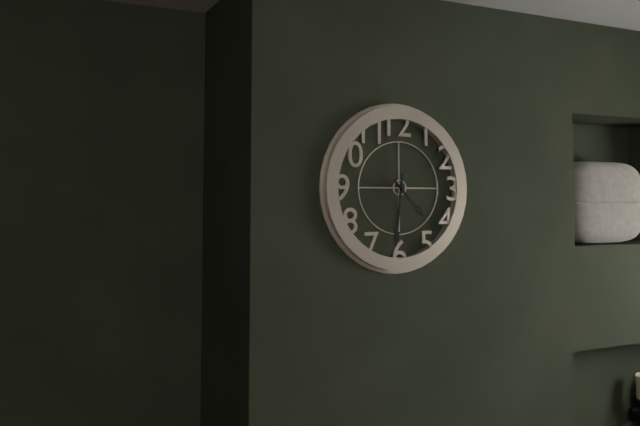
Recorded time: 4:31
